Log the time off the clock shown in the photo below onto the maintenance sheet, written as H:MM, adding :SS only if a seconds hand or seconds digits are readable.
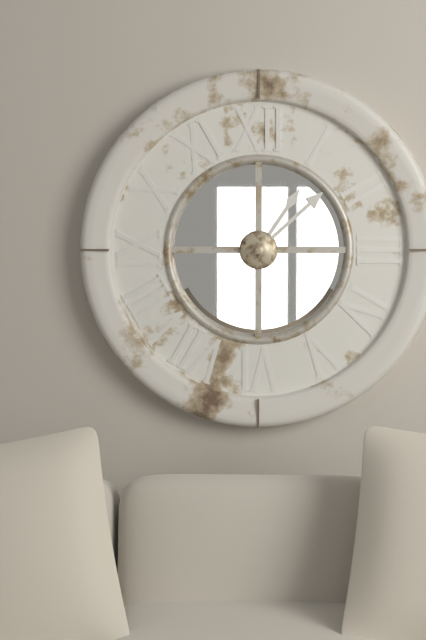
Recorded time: 1:08
